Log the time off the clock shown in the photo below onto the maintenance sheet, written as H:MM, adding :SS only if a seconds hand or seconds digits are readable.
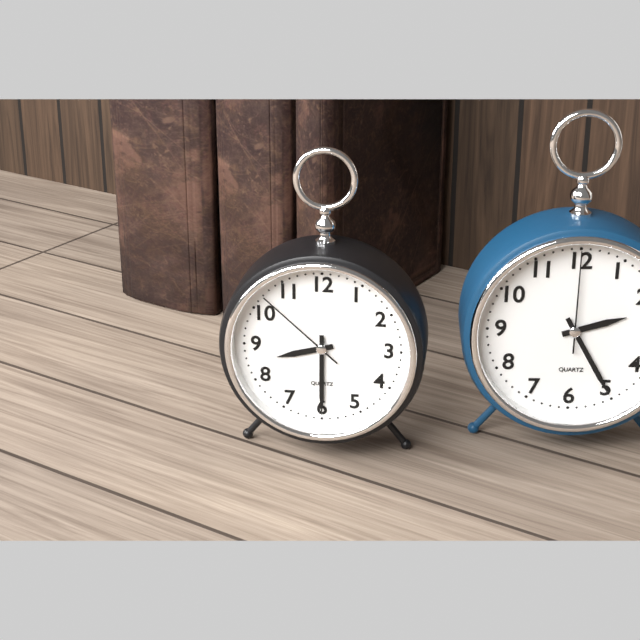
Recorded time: 8:30:52
